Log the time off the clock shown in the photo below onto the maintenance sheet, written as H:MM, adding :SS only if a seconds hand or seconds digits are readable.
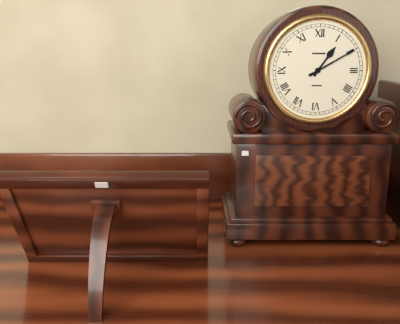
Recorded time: 1:10
